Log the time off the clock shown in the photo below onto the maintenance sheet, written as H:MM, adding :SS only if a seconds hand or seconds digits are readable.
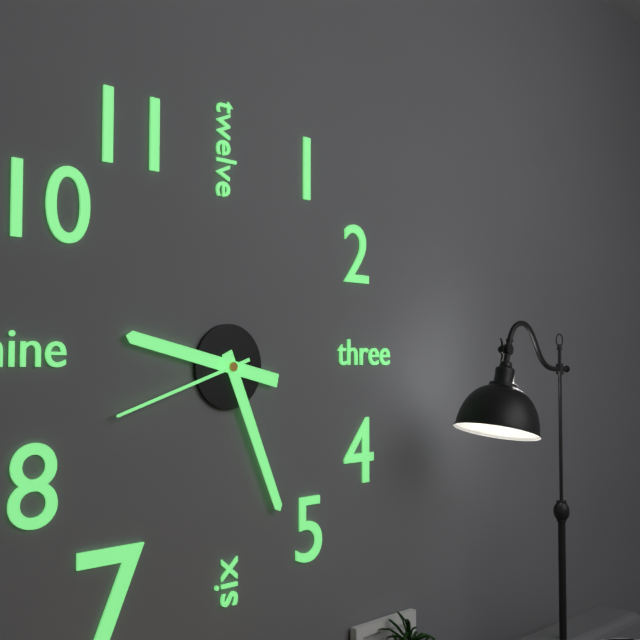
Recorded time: 9:26:42
